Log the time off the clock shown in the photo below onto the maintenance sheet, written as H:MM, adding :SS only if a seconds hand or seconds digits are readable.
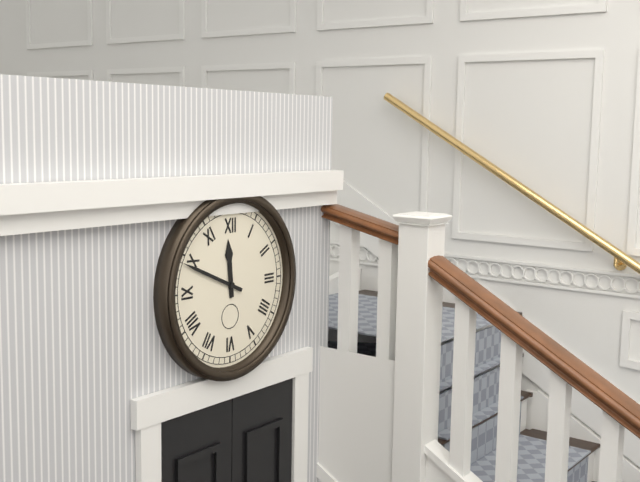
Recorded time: 11:49
